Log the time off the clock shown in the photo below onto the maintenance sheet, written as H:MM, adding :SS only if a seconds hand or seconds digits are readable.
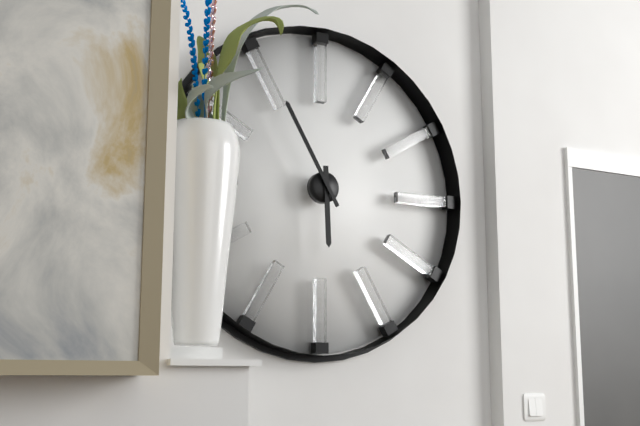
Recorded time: 5:55
